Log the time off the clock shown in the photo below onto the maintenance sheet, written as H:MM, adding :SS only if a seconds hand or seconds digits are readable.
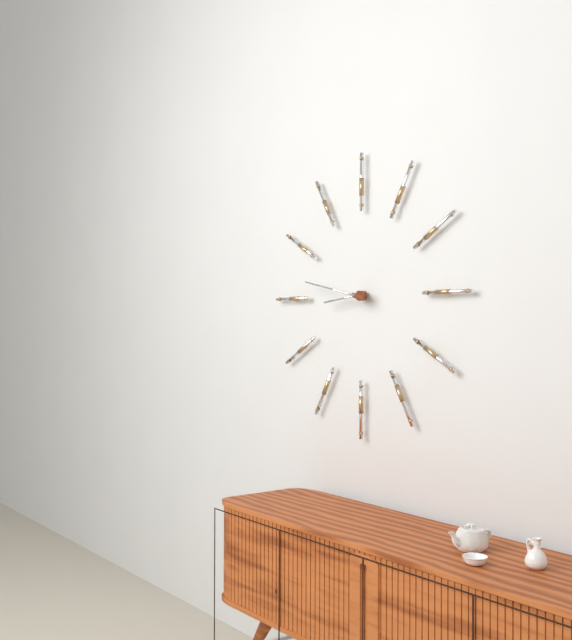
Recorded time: 8:47
